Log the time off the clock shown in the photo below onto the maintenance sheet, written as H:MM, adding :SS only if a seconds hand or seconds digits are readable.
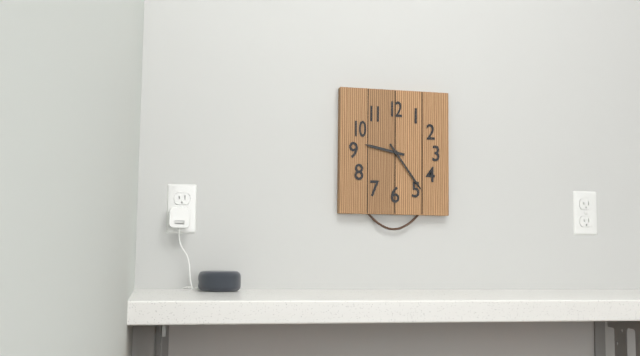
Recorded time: 9:24
